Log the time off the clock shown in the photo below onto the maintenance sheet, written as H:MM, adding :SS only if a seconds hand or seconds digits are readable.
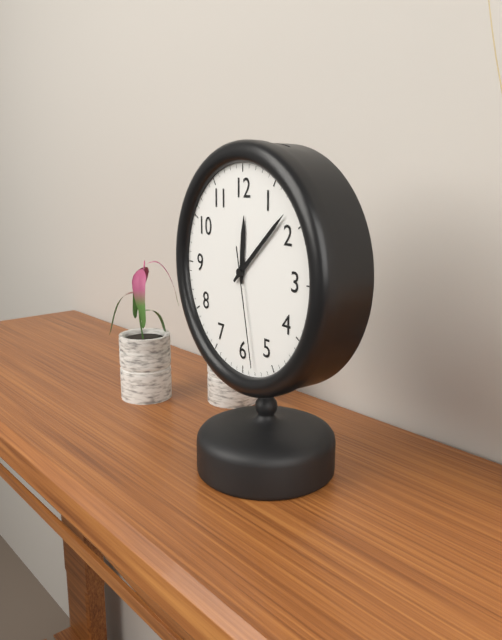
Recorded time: 12:08:28
